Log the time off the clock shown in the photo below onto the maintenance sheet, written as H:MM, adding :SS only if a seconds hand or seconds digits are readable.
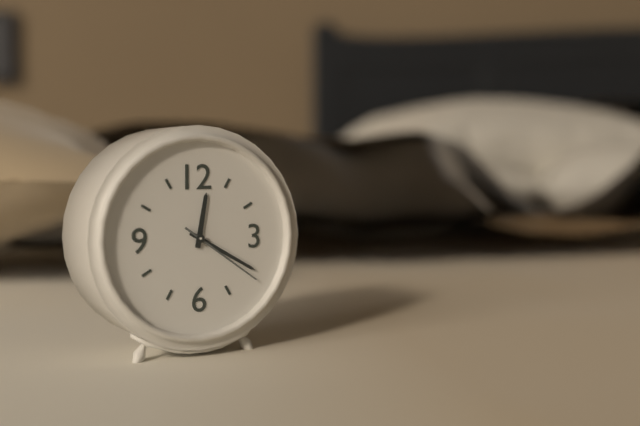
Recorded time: 12:20:21
